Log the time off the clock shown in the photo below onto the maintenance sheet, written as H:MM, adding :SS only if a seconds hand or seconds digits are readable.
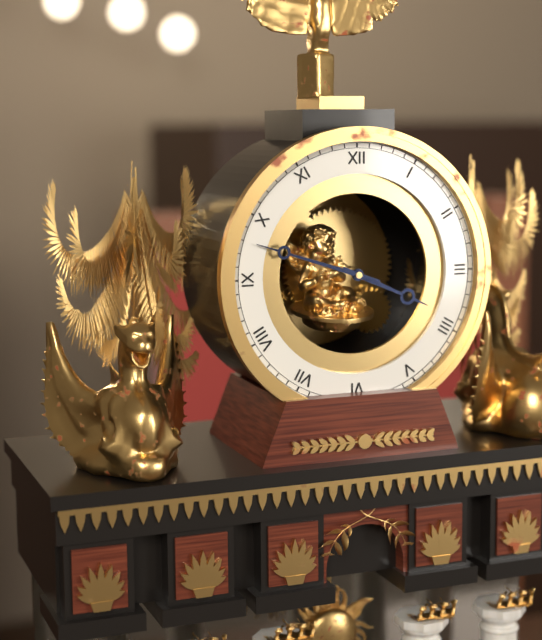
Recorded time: 3:48
